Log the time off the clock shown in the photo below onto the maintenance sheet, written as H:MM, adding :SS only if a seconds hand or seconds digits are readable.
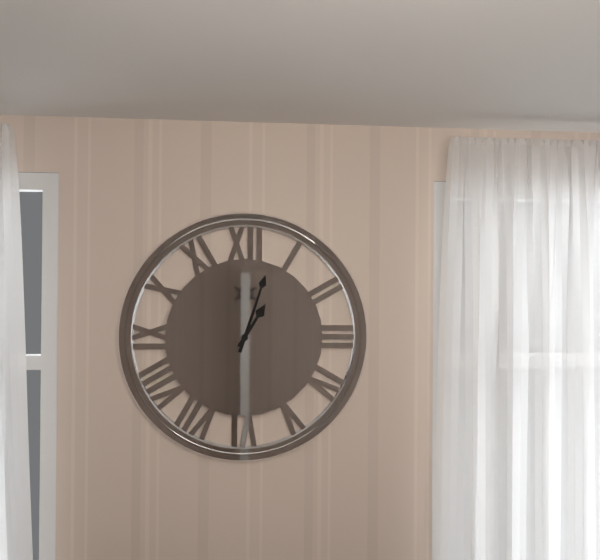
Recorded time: 1:03
